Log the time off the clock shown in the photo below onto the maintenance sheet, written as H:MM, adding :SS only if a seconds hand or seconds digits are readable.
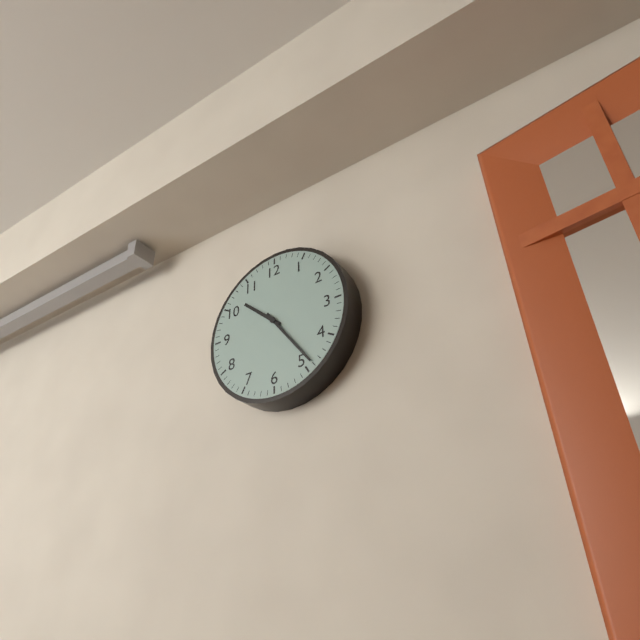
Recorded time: 10:24
